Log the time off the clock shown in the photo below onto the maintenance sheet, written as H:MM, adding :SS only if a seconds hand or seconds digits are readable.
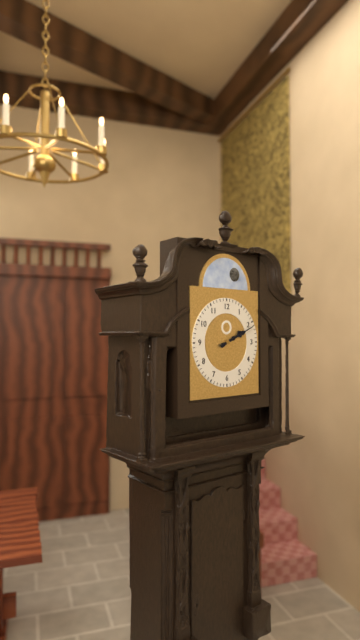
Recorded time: 2:11
